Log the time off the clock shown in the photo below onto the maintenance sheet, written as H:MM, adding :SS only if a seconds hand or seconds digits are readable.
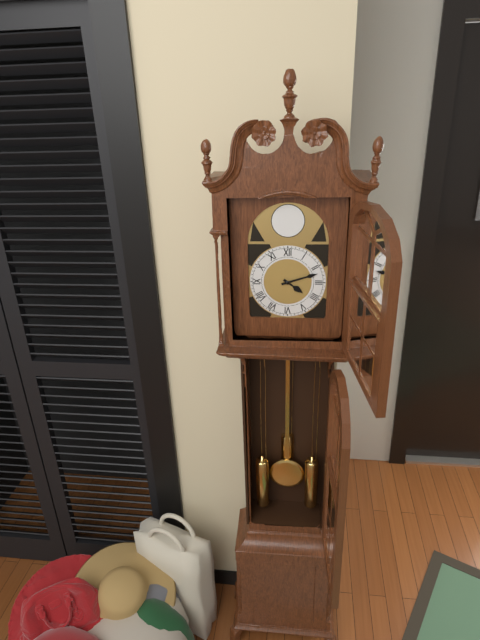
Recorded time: 4:12
